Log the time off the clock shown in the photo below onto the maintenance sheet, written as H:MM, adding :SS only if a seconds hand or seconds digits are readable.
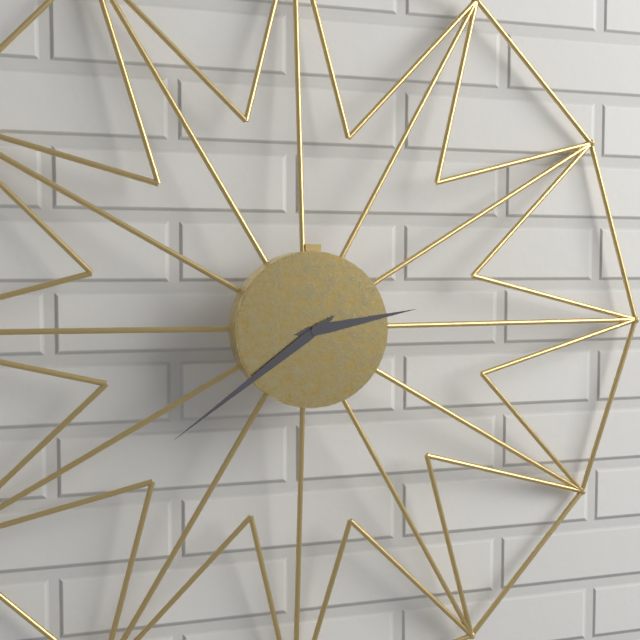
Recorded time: 2:39
